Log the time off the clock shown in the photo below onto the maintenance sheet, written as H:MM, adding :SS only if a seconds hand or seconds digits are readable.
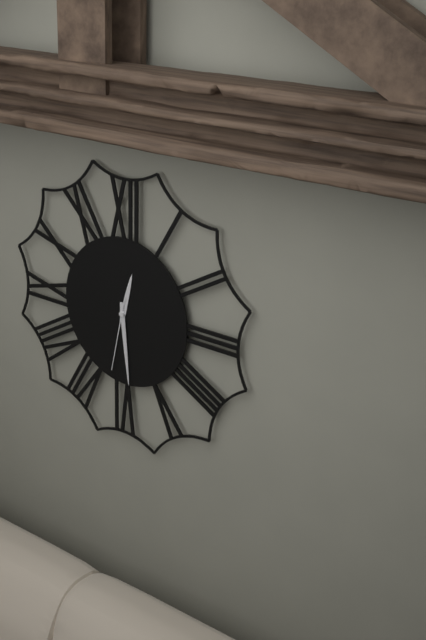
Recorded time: 12:29:32
